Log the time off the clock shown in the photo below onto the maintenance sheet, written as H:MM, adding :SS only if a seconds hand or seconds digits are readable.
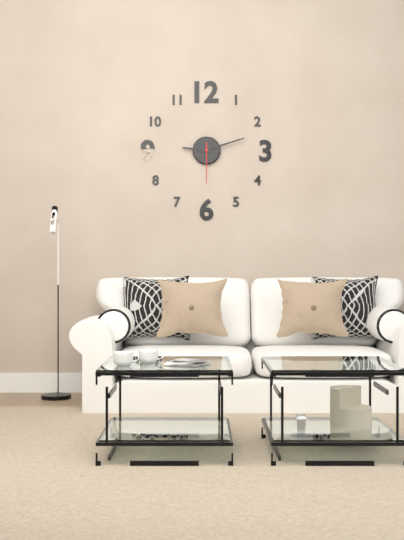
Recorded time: 9:12
